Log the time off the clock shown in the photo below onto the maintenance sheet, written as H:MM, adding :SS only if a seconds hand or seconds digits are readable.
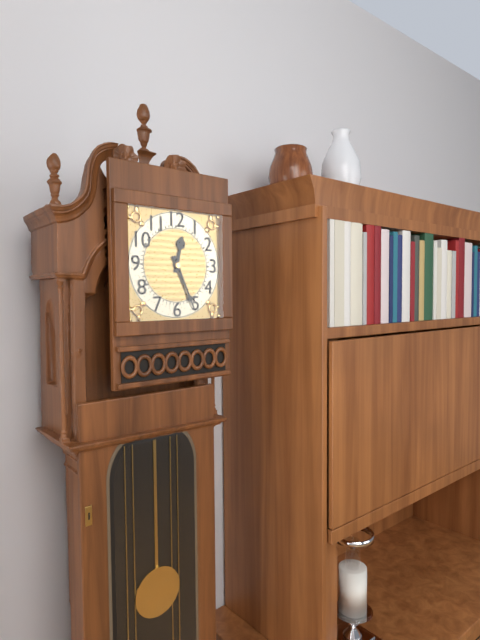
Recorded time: 12:26
